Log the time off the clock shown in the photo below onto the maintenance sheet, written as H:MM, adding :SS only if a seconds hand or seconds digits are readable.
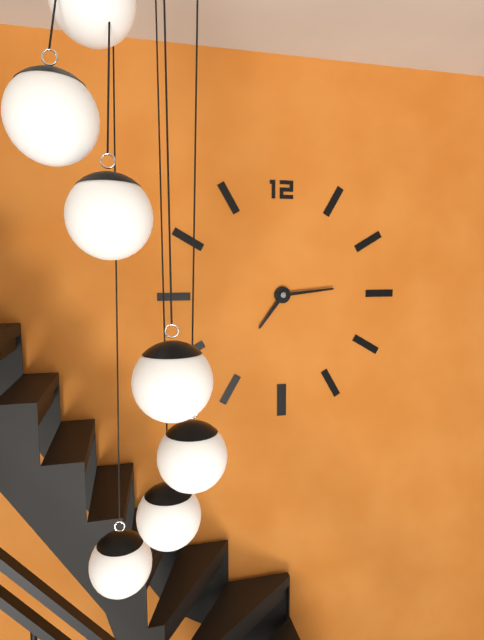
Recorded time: 7:14
